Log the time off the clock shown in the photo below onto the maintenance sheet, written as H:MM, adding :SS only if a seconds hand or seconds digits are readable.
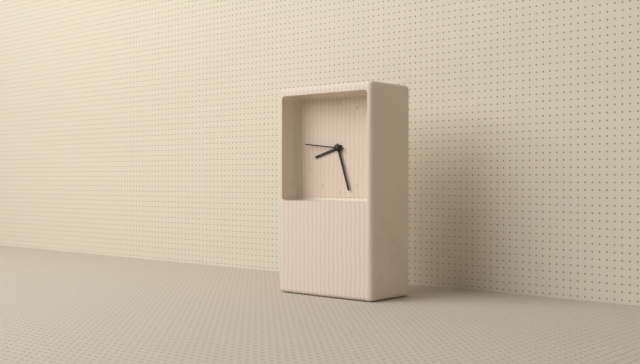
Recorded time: 8:27
